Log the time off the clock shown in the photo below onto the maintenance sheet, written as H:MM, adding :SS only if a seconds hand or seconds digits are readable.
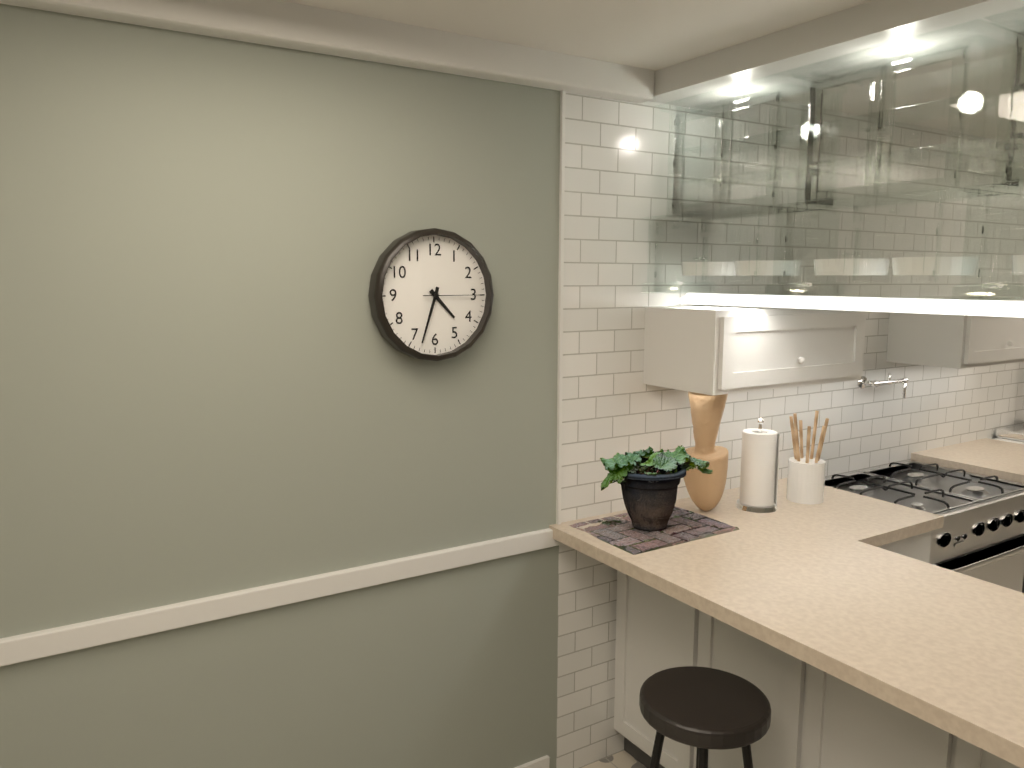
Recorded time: 4:33:15
